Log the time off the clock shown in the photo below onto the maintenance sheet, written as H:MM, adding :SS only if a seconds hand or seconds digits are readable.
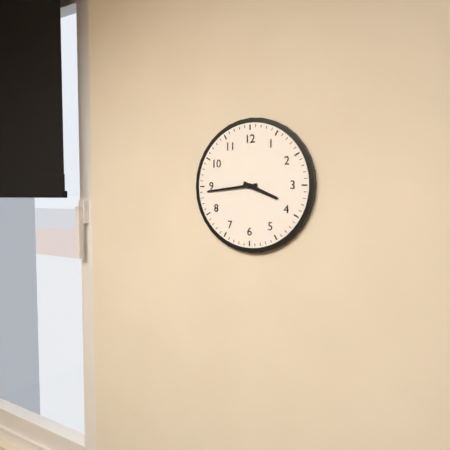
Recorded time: 3:44
